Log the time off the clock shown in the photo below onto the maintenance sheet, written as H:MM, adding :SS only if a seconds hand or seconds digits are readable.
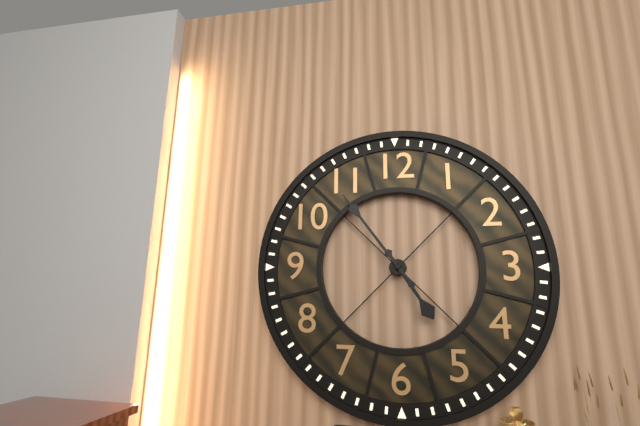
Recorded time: 4:54
